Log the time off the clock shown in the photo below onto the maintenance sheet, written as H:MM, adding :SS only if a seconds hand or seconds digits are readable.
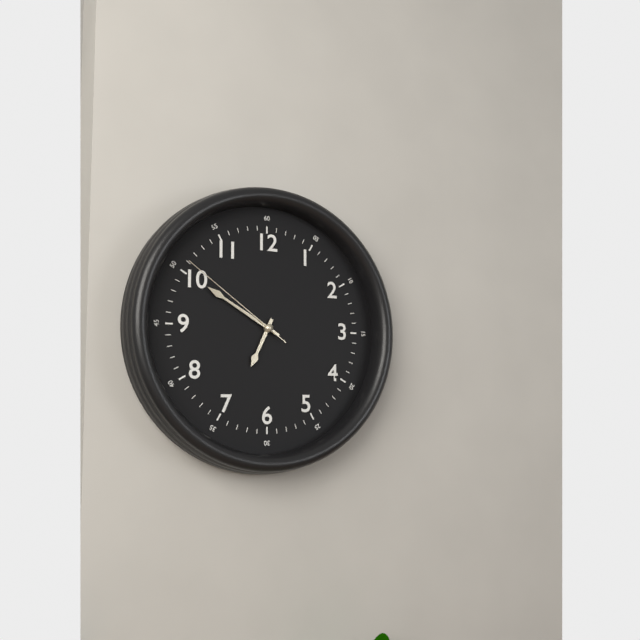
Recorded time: 6:50:51
